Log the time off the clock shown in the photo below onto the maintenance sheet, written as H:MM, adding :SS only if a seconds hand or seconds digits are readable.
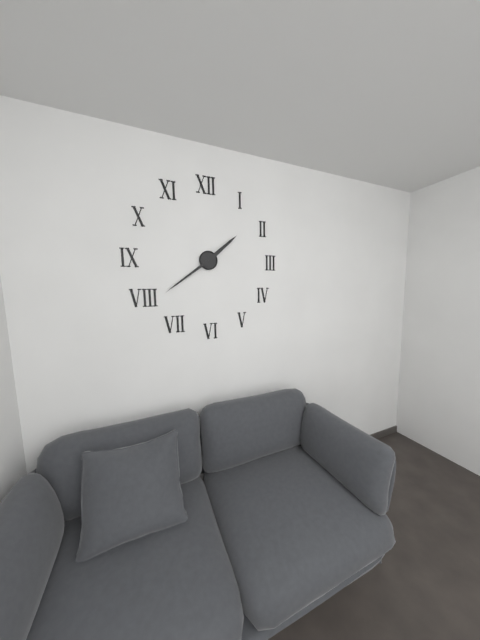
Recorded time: 1:39
